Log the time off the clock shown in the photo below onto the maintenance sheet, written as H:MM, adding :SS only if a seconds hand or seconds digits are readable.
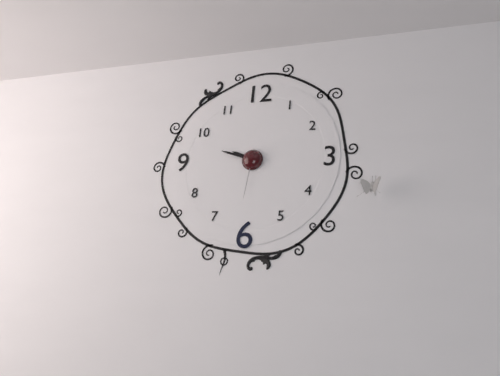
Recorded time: 9:48:31
